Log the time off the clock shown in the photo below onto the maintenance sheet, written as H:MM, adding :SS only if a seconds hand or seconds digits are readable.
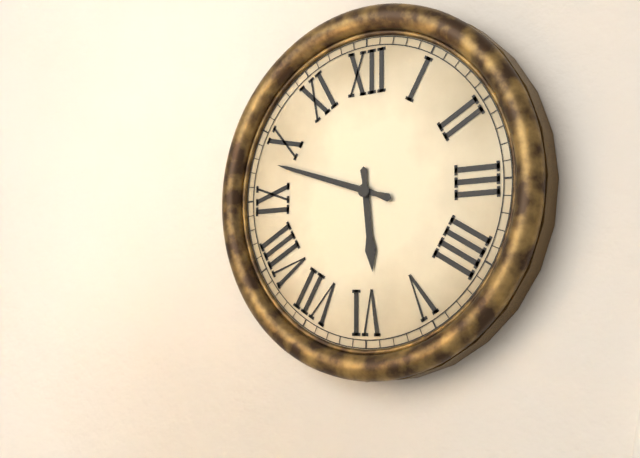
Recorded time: 5:48
